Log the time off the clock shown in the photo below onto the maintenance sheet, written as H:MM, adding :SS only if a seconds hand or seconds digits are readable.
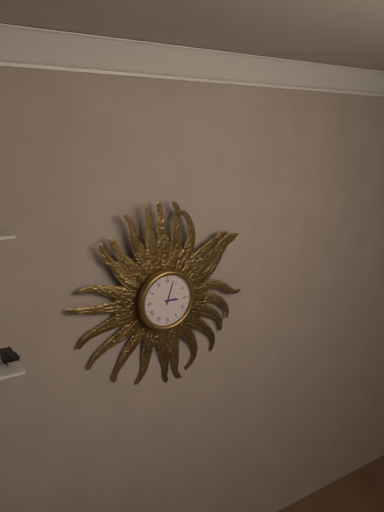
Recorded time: 3:03
